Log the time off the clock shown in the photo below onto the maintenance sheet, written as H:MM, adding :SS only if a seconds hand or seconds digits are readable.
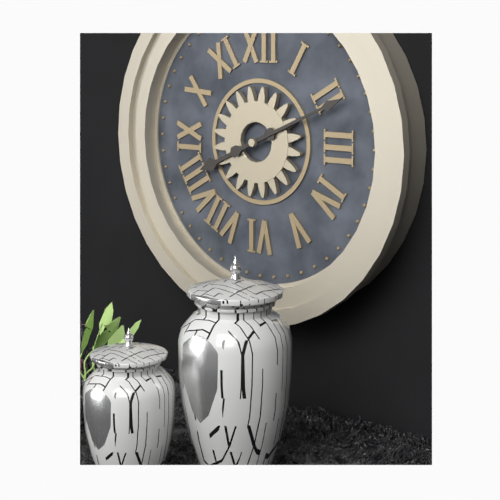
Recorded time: 8:11
